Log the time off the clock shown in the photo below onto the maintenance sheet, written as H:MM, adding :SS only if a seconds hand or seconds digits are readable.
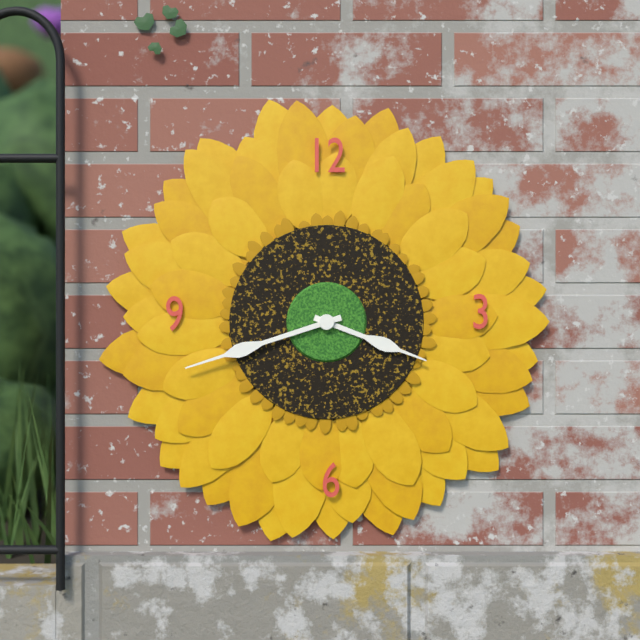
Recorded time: 3:42
